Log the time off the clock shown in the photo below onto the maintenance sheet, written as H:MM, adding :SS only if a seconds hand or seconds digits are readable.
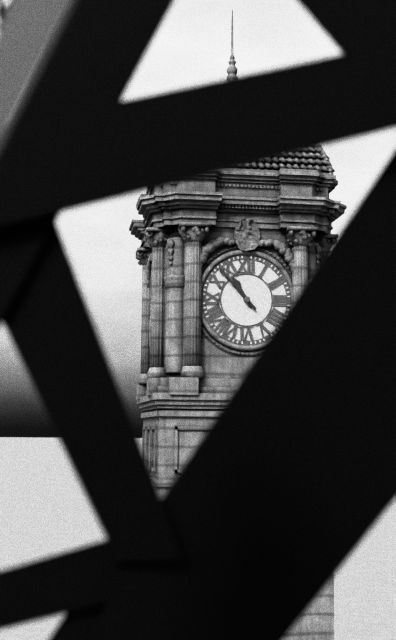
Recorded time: 10:53
